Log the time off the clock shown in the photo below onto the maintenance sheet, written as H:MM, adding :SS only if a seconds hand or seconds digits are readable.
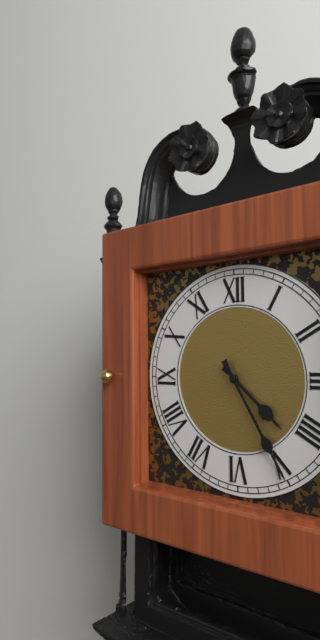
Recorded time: 4:25
